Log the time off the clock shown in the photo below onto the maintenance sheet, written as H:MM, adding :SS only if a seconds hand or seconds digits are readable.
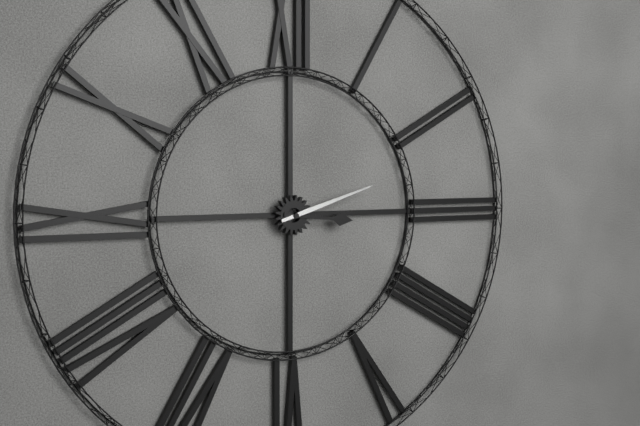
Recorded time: 3:12
